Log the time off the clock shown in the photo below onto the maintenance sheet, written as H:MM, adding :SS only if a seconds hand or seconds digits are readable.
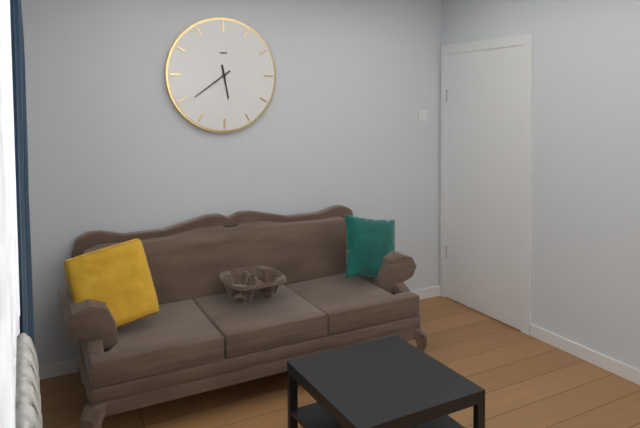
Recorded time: 5:39
